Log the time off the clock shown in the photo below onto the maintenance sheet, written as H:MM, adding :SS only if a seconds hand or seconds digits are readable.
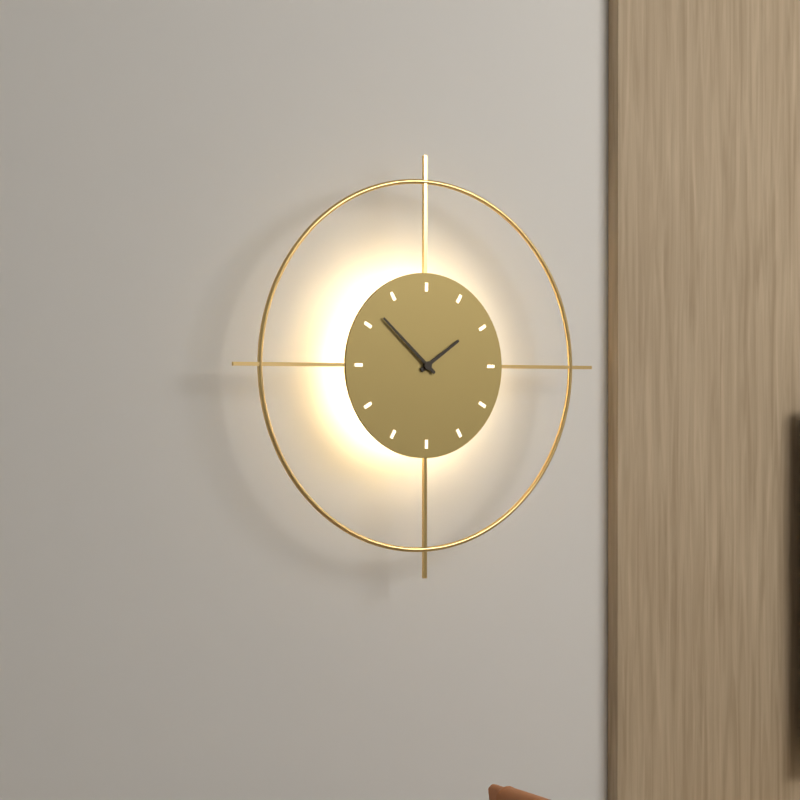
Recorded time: 1:52
